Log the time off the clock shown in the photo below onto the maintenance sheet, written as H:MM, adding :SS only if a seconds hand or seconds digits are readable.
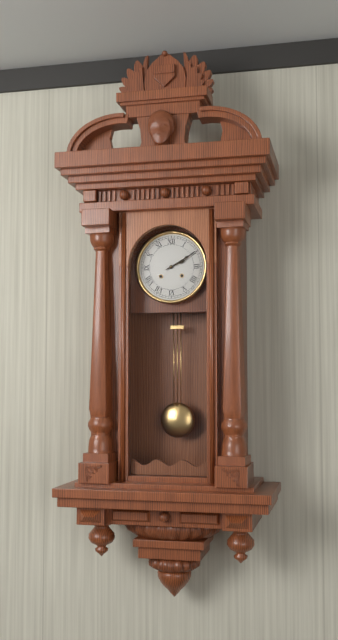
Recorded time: 2:10
